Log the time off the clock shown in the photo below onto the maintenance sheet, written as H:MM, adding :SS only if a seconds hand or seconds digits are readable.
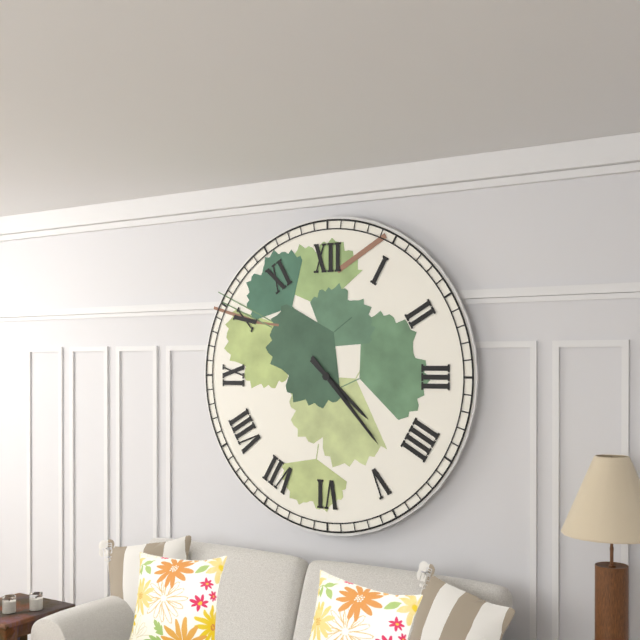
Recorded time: 4:23
